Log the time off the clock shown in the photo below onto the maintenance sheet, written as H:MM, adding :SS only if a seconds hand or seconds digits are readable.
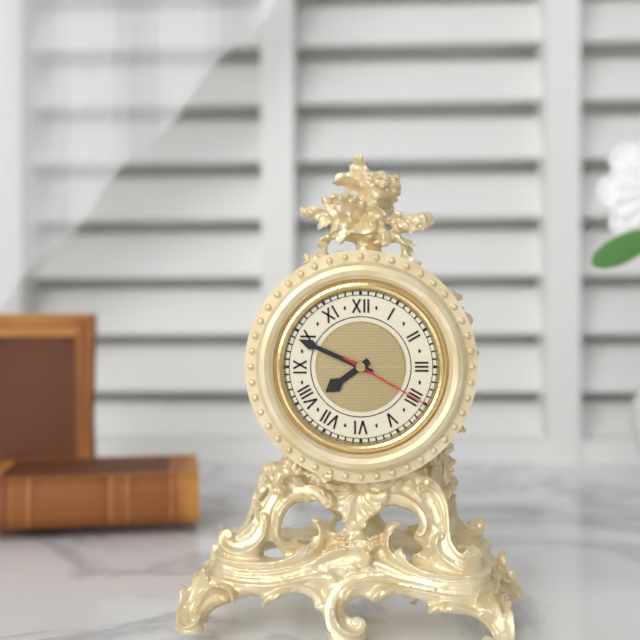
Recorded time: 7:49:20
